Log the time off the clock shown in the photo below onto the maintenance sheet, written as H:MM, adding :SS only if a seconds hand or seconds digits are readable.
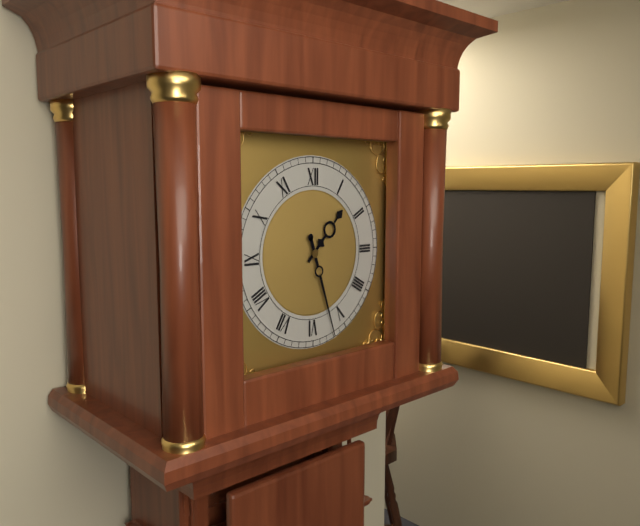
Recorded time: 1:27
